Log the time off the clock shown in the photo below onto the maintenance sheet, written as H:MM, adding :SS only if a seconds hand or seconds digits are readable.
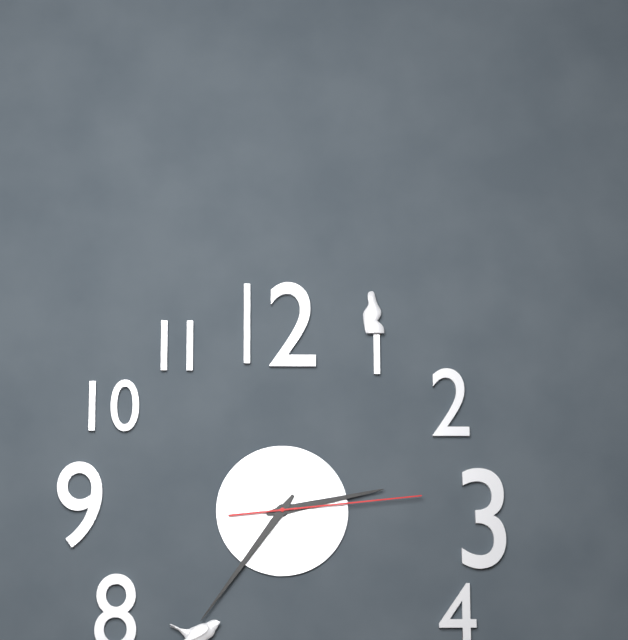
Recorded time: 2:36:14
